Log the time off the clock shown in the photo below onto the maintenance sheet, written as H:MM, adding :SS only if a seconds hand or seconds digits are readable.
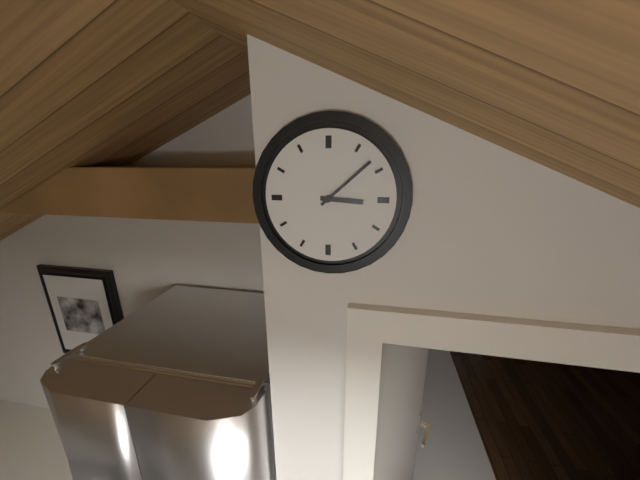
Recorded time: 3:08
